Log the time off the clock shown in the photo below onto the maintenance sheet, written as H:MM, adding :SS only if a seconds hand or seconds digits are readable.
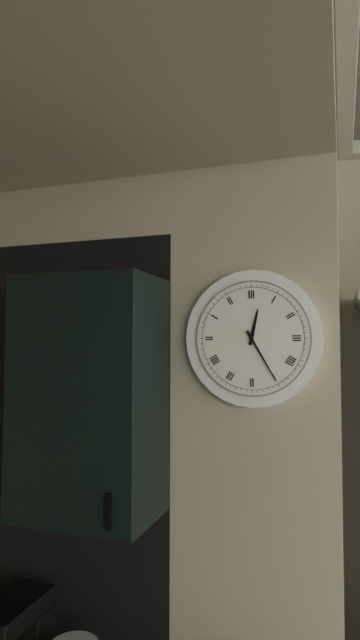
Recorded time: 12:25
